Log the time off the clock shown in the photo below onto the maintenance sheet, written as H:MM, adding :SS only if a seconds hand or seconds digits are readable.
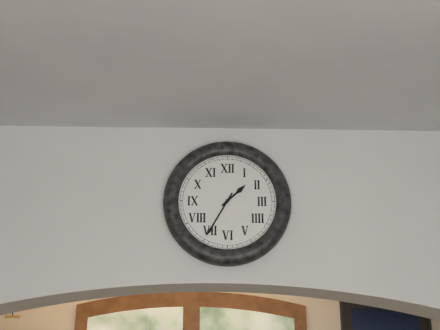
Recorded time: 1:35
